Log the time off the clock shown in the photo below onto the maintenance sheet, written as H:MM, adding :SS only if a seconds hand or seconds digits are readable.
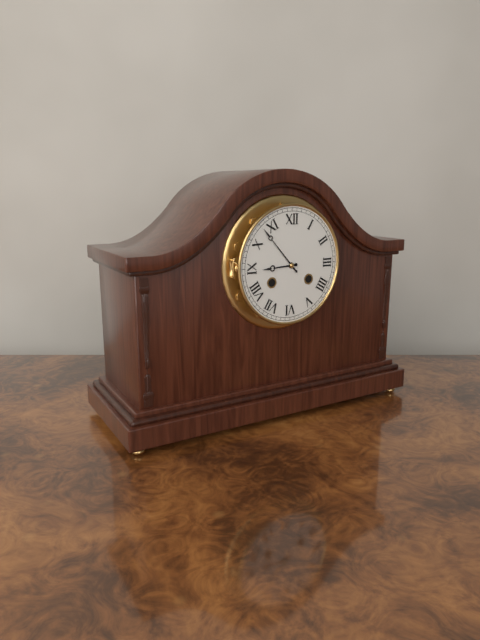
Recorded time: 8:53
